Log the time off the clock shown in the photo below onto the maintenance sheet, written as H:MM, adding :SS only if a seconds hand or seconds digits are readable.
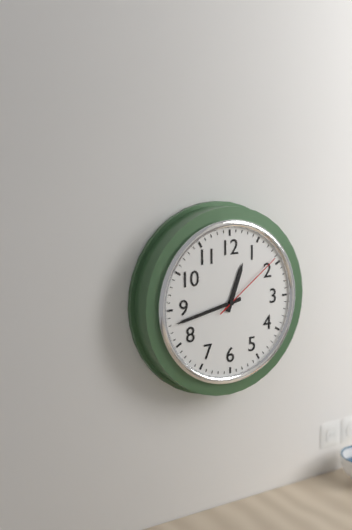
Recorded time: 12:43:09
